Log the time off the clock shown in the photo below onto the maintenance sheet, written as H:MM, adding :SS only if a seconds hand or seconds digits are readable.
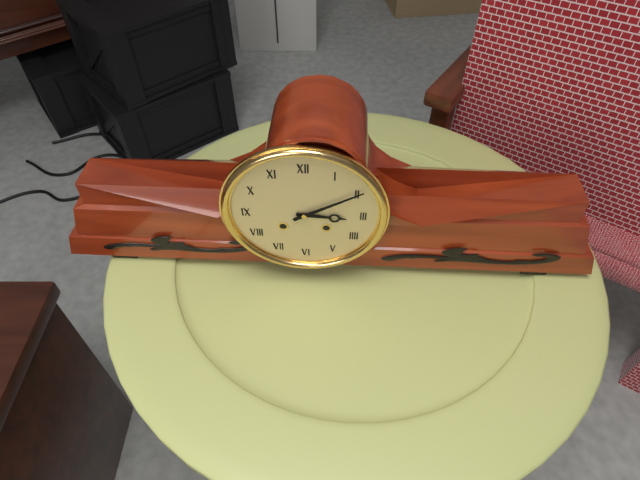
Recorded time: 3:10
